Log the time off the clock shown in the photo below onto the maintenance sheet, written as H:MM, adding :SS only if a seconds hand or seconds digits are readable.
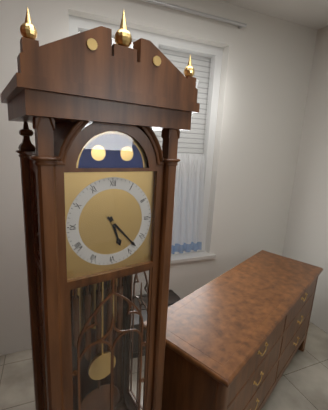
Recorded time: 5:23
